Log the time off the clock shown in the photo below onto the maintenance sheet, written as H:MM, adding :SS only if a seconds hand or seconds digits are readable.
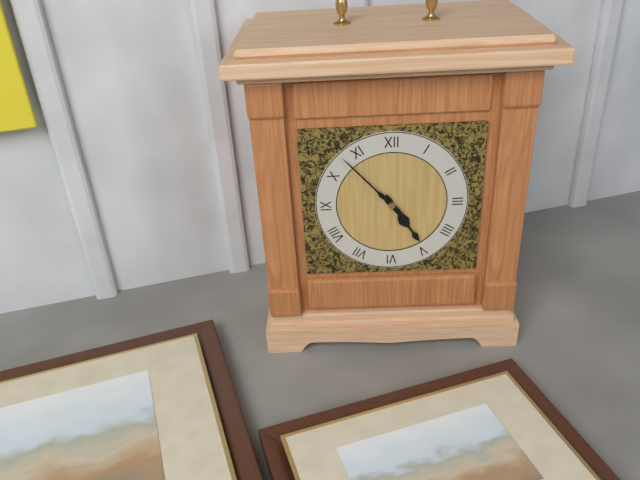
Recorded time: 4:53
